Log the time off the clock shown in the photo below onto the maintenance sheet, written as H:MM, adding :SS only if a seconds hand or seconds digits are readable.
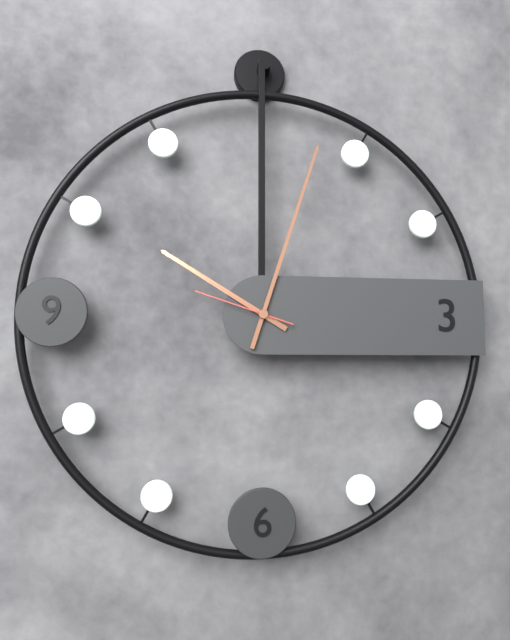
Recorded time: 10:03:48
